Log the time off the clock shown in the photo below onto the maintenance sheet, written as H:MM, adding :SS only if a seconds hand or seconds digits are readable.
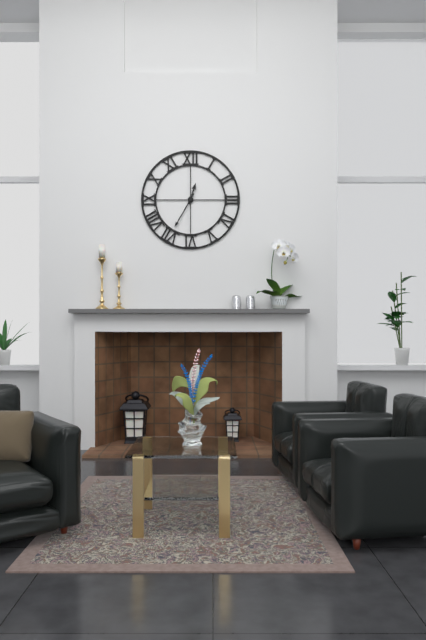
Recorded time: 12:35
